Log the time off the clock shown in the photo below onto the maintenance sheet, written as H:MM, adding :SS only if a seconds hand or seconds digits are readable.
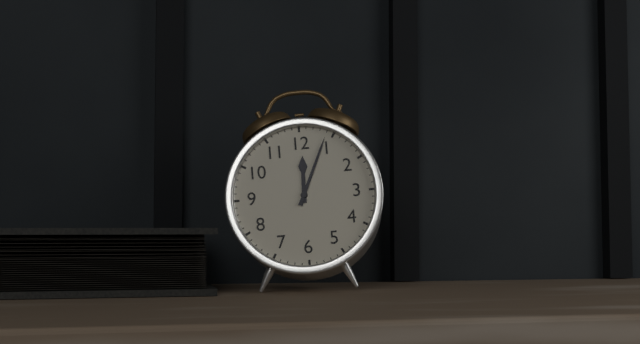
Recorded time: 12:04
